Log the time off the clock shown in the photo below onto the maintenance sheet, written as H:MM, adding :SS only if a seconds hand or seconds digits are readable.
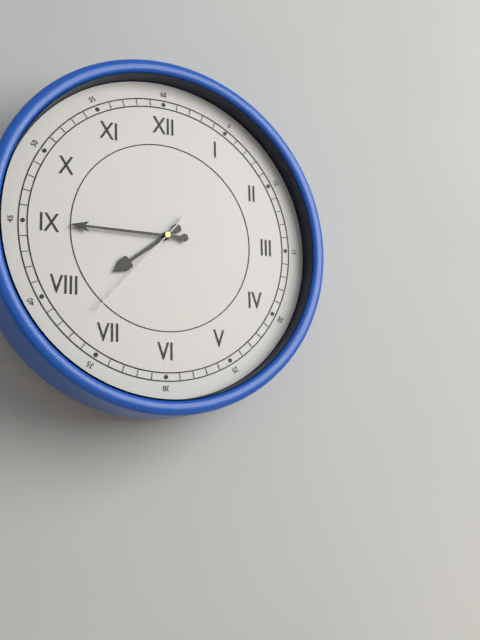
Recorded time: 7:45:37
